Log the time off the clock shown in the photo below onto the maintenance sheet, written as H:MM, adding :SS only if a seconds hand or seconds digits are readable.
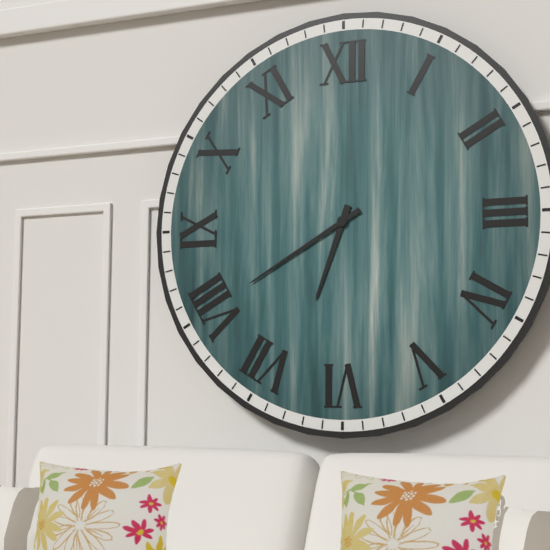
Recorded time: 6:40
